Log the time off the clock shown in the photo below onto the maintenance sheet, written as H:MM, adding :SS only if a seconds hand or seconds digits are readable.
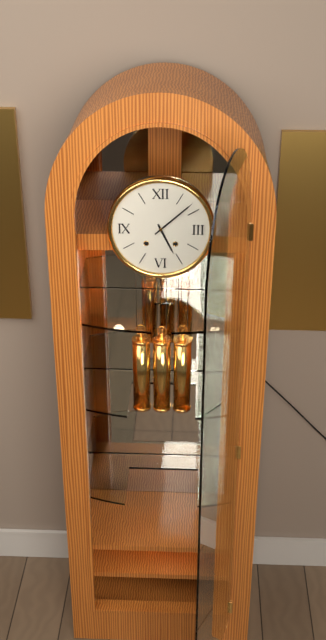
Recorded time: 5:08
